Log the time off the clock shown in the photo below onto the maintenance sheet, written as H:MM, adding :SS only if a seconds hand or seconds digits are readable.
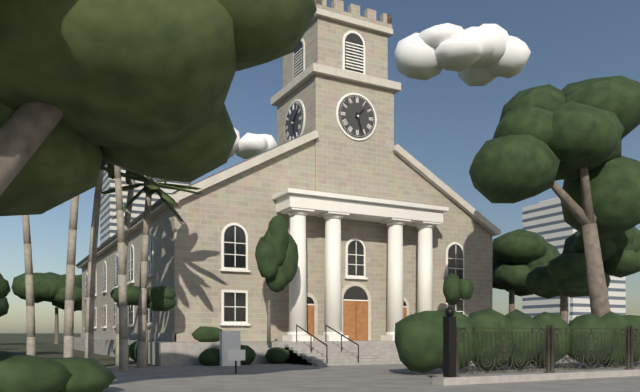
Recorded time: 1:27
